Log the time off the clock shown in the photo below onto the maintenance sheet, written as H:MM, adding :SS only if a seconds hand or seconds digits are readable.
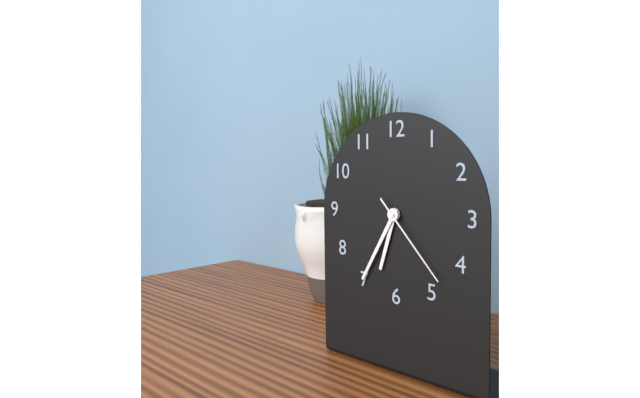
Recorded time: 6:35:23
